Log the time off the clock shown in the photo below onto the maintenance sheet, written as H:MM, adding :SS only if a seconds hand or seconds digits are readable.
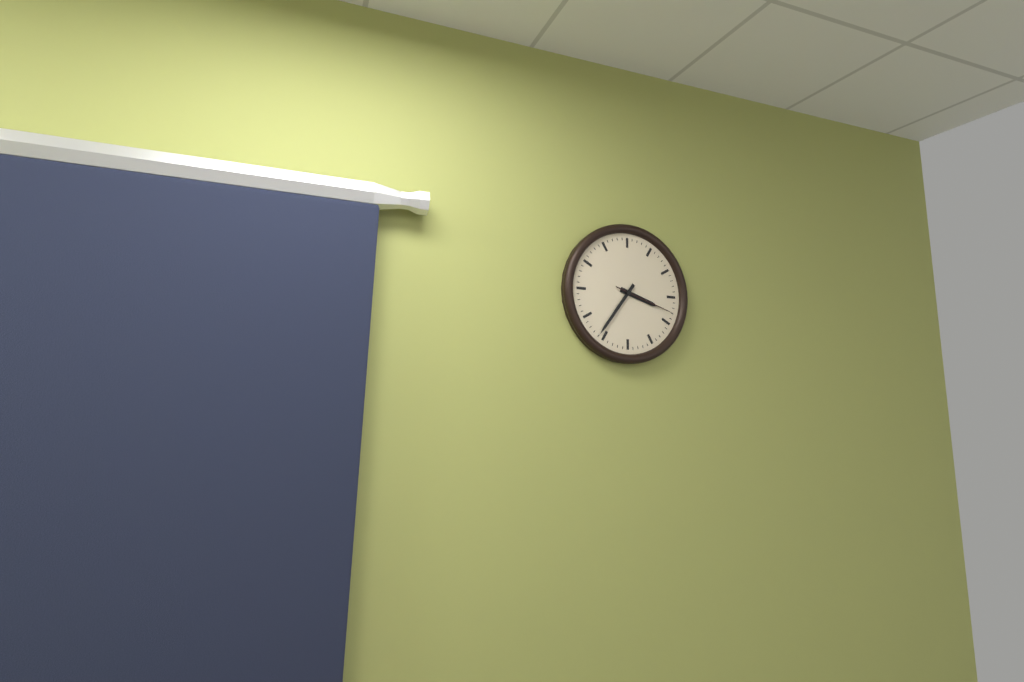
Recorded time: 3:36:18
